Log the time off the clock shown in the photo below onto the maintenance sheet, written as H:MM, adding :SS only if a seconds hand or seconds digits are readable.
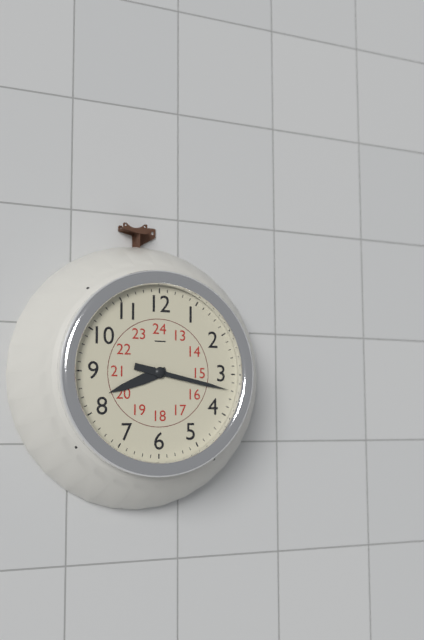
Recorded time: 8:17
